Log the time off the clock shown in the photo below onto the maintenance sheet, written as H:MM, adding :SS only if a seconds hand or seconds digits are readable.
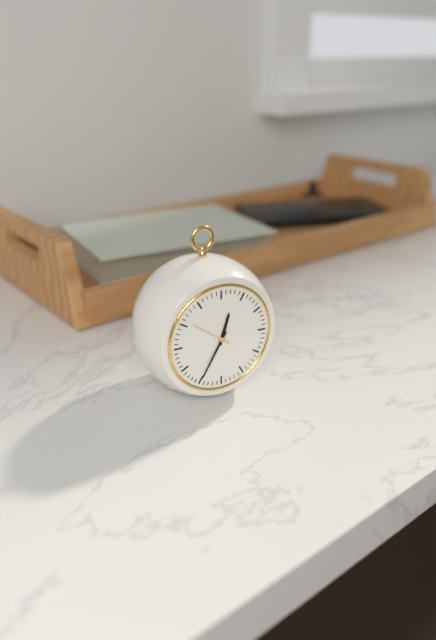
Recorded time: 12:35
